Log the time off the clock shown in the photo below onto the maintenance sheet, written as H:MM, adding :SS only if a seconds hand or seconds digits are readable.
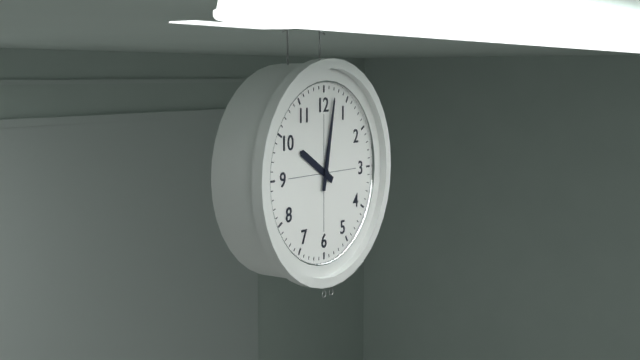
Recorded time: 10:02
